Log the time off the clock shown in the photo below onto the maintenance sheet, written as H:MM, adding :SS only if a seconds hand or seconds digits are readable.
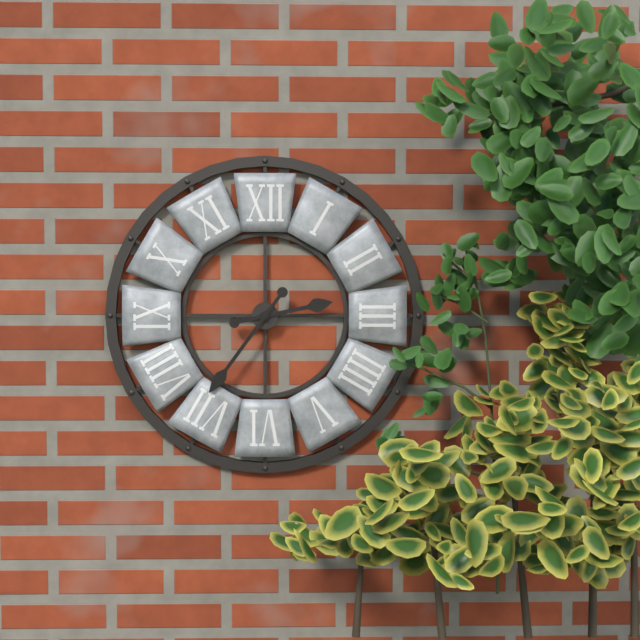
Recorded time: 2:36
